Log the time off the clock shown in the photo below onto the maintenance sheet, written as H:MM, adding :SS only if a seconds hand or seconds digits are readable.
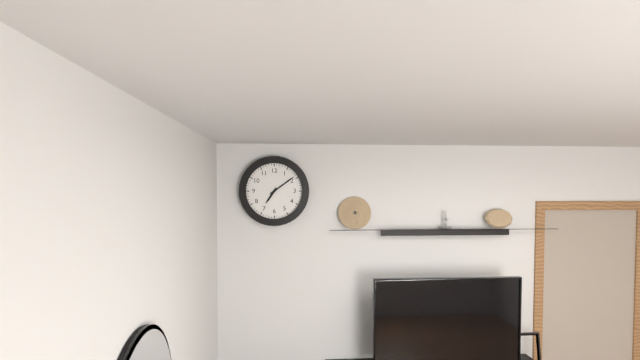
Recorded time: 7:09
